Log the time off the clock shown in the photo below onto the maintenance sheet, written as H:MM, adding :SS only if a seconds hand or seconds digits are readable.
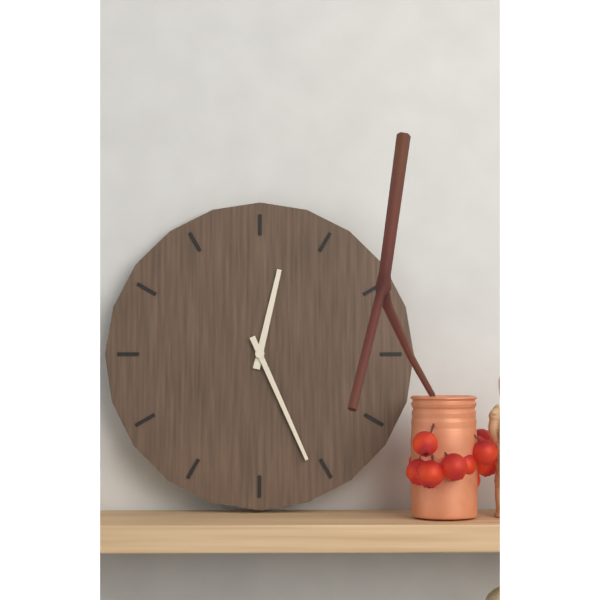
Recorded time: 12:26
